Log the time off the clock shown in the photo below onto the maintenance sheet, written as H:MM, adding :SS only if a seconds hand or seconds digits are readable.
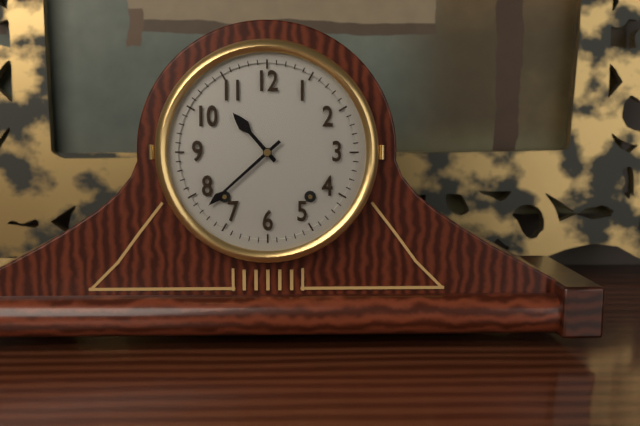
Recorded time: 10:38
